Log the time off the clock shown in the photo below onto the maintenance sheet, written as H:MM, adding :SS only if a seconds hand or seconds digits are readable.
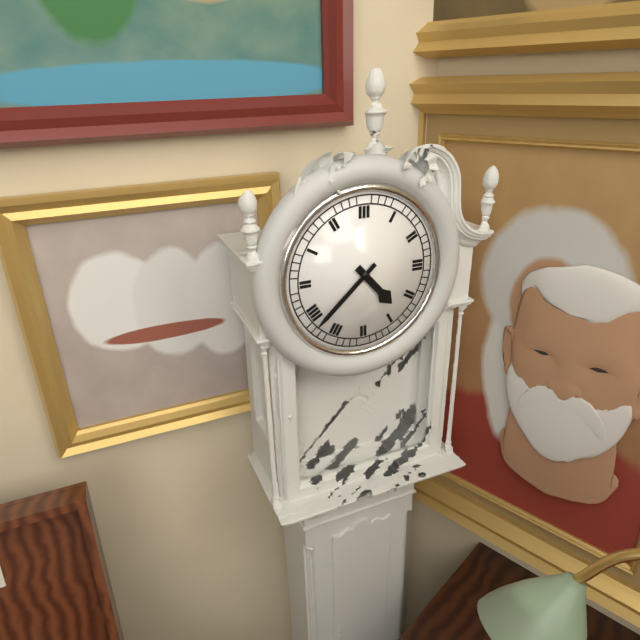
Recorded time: 4:38
